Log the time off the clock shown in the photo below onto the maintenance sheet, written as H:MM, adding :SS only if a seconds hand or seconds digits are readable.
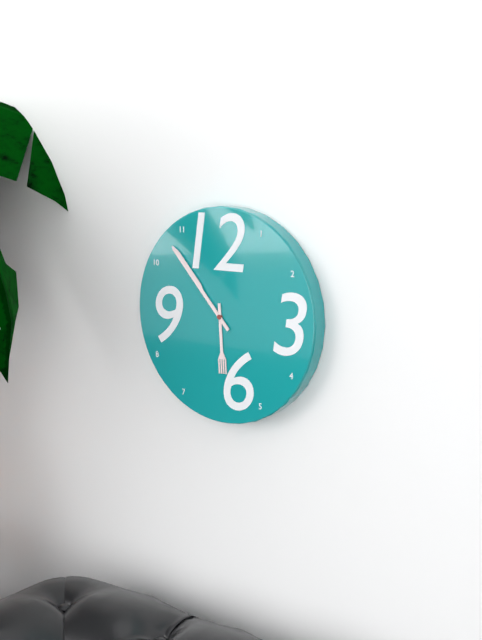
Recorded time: 5:53
